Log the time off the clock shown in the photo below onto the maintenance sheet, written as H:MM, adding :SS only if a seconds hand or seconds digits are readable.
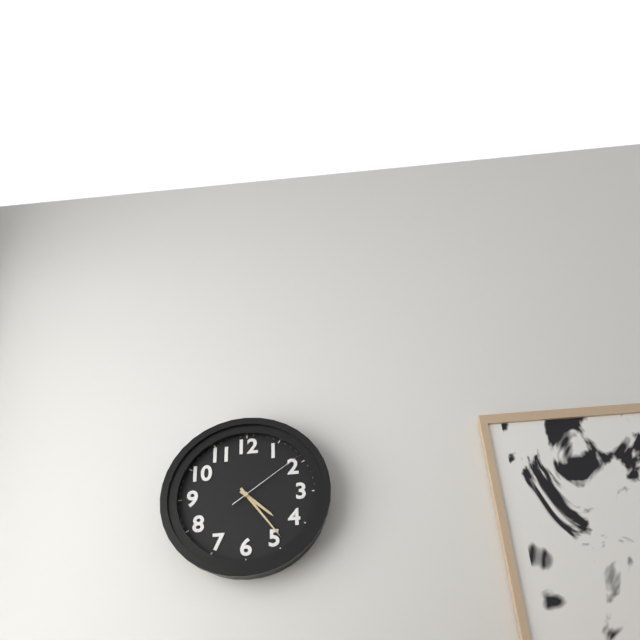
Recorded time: 4:24:09
